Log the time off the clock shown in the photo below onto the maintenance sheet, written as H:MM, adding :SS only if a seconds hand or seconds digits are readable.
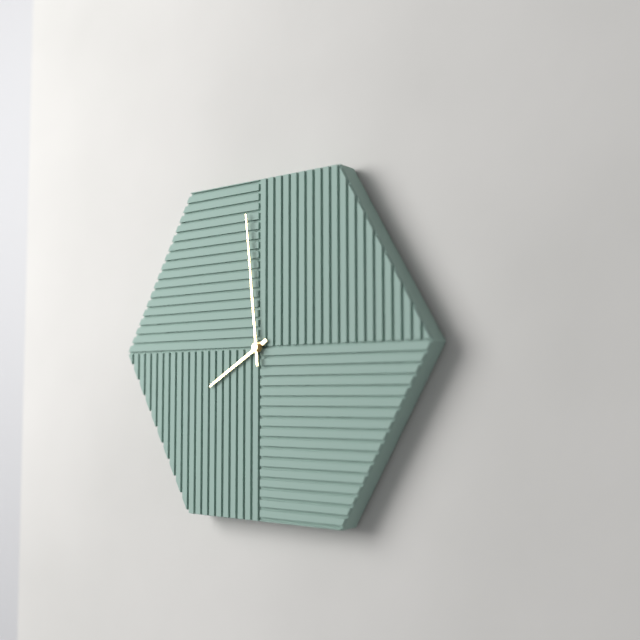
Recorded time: 7:59
